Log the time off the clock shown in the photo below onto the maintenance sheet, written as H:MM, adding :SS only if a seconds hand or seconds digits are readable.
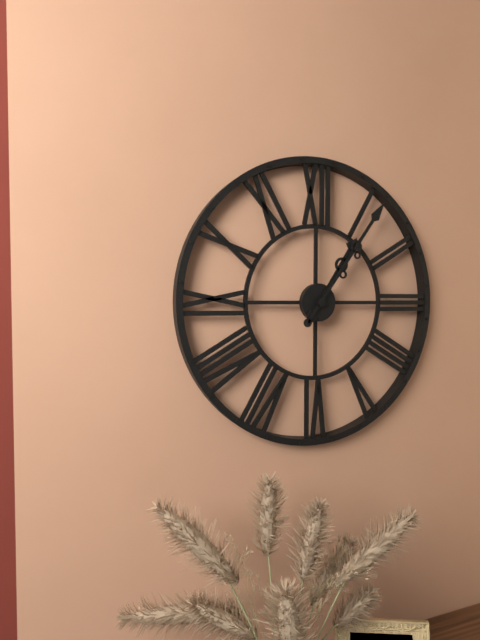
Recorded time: 1:06
